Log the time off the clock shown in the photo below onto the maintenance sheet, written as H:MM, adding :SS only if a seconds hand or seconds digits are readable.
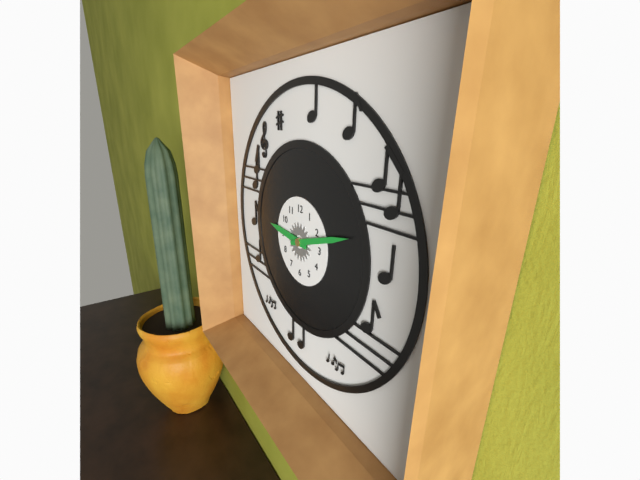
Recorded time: 9:12
